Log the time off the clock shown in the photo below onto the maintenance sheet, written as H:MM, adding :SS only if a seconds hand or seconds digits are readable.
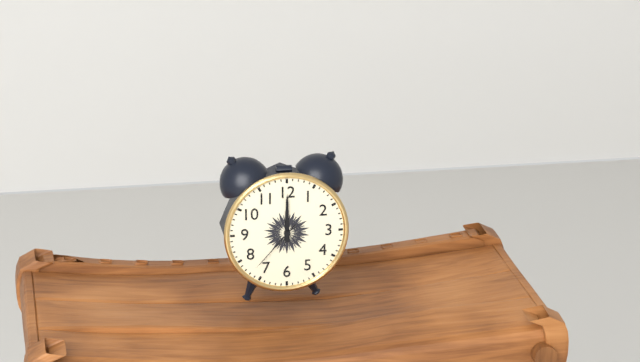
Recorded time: 12:00:37
